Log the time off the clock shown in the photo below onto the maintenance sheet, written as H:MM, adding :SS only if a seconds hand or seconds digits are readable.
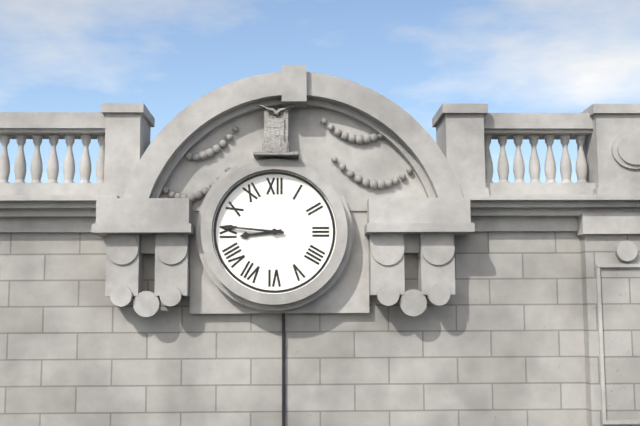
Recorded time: 8:46
